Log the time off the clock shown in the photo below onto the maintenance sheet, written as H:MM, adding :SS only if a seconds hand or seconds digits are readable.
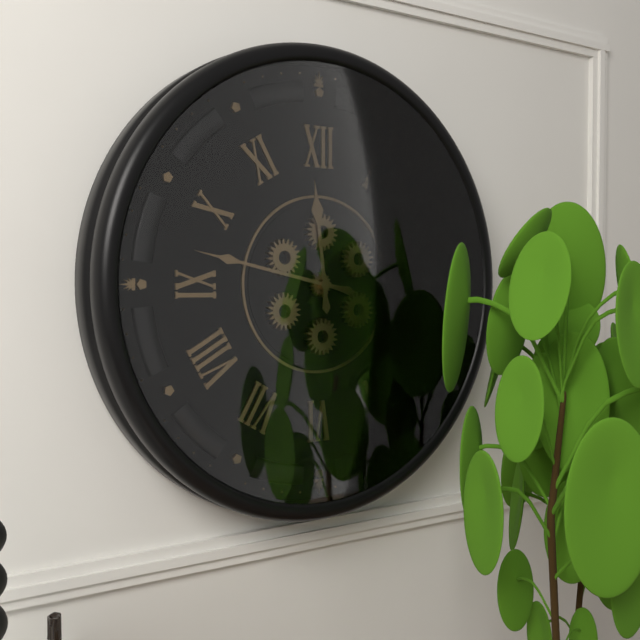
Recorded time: 11:47
